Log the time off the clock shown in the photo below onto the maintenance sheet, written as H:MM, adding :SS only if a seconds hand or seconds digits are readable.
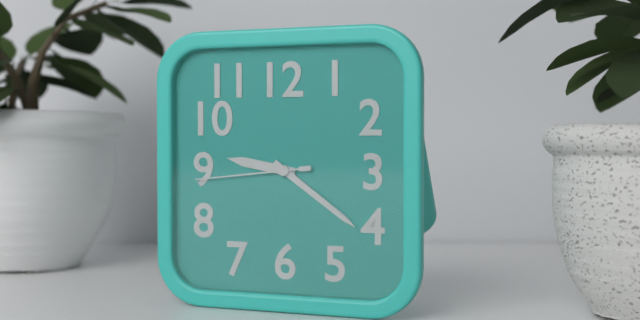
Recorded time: 9:21:44
